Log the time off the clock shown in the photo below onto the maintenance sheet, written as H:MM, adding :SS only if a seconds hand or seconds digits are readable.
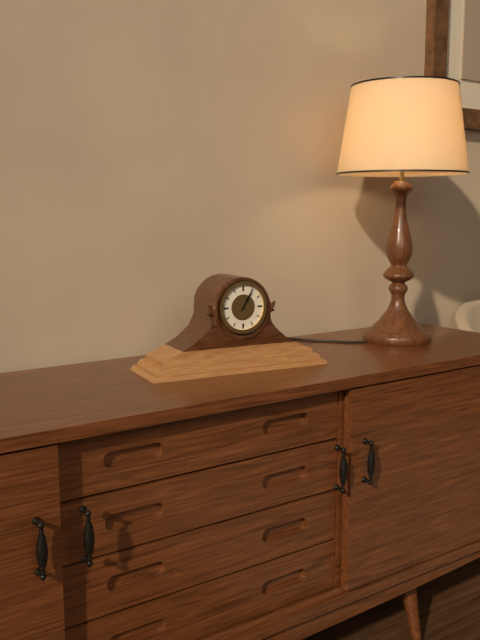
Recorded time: 1:05
